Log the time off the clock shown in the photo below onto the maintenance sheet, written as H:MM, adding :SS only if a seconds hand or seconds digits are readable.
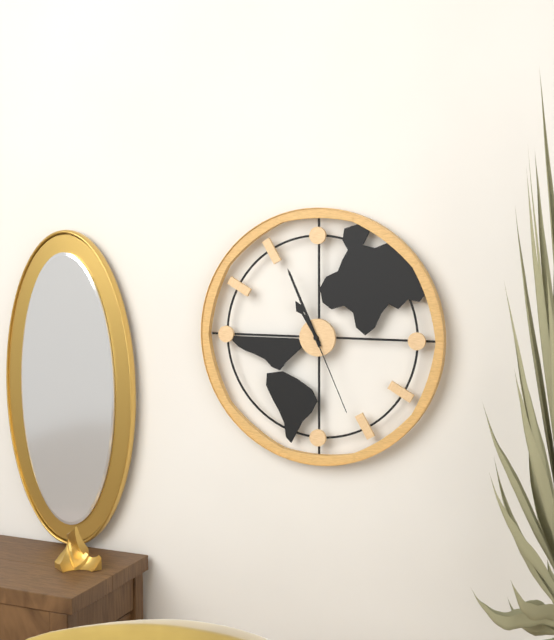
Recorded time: 10:56:26
